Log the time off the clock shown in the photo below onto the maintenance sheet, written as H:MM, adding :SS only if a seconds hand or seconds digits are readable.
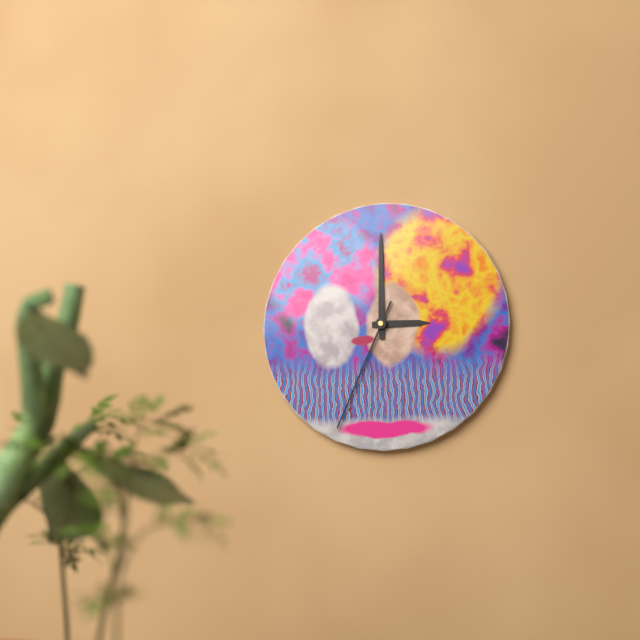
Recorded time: 3:00:34
